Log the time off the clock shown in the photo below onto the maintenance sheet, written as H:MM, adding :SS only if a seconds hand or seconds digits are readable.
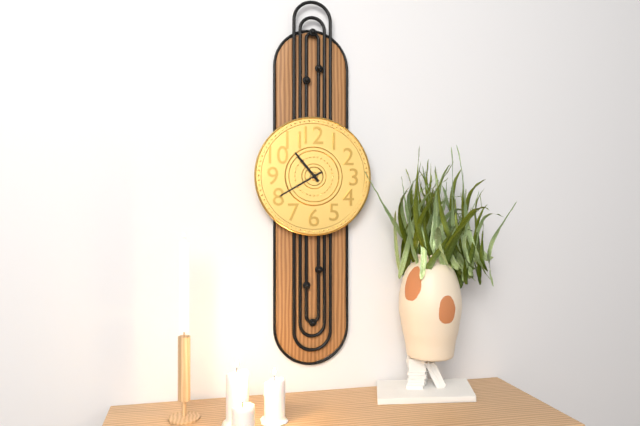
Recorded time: 10:40
